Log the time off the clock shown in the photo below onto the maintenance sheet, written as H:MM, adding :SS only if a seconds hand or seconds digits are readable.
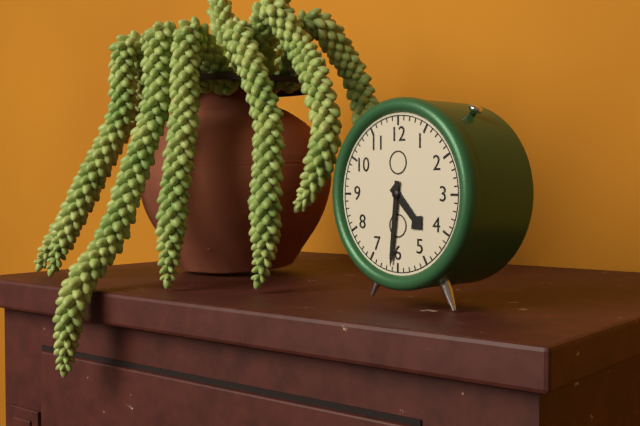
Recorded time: 4:31
